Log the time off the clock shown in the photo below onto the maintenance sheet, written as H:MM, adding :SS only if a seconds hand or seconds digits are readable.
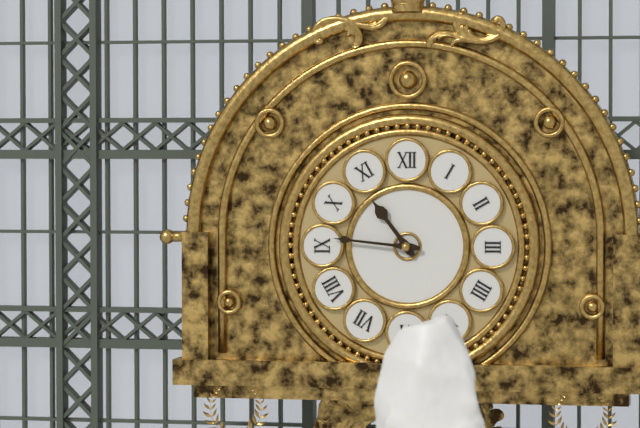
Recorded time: 10:46
